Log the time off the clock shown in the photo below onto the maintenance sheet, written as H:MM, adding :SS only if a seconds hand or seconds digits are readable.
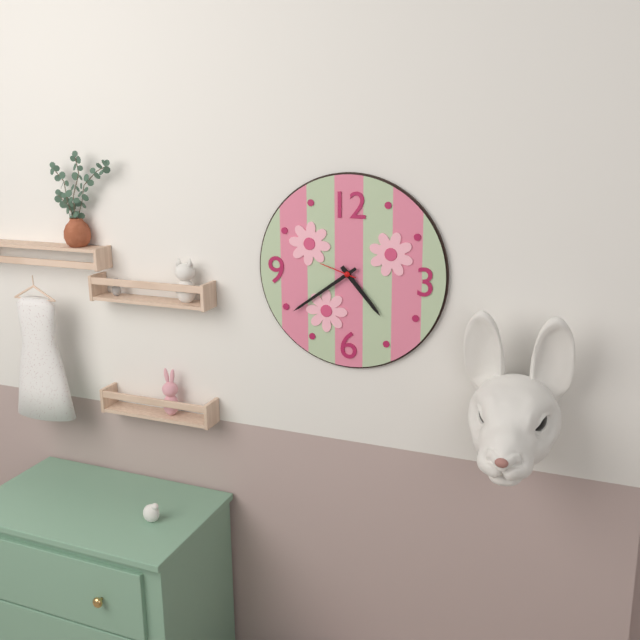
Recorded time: 4:39
